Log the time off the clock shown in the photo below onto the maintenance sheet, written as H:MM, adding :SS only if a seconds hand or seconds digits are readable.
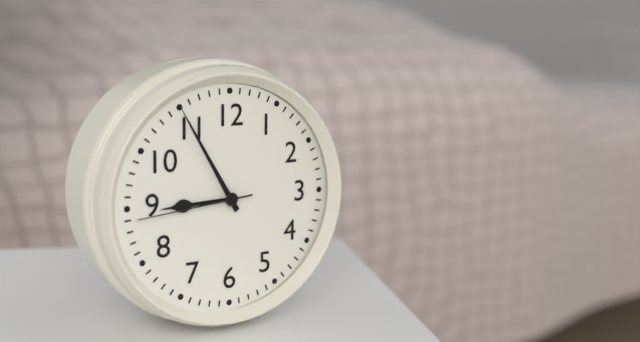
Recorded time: 8:55:44
